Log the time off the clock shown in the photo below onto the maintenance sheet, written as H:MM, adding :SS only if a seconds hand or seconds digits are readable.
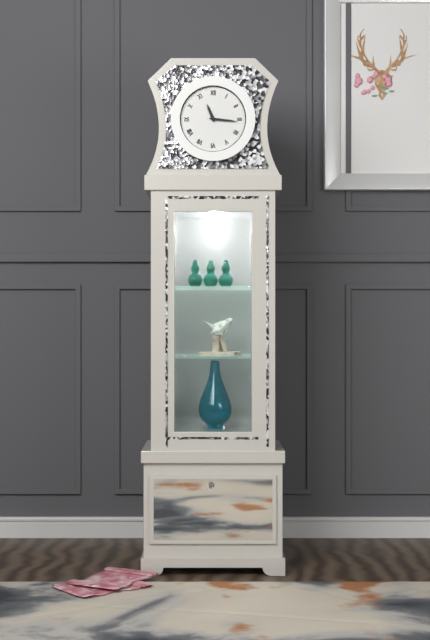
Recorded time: 11:16
